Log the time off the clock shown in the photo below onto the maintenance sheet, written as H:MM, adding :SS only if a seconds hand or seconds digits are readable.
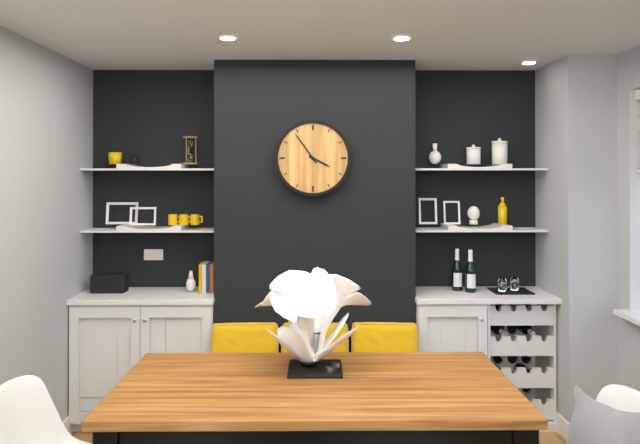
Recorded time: 3:54
